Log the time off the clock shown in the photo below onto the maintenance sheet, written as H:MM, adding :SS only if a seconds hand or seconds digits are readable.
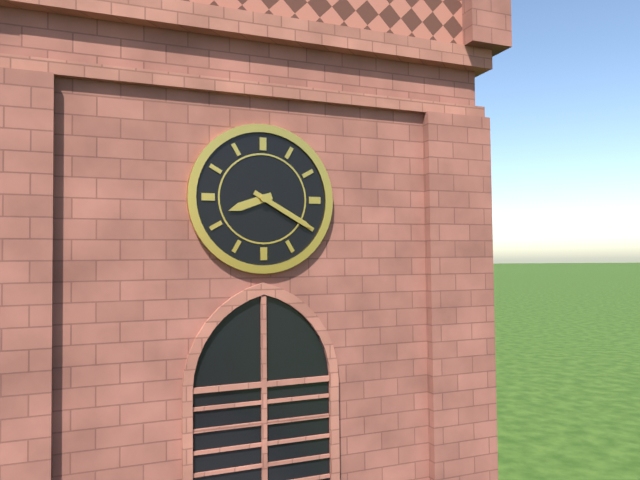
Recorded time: 8:20
